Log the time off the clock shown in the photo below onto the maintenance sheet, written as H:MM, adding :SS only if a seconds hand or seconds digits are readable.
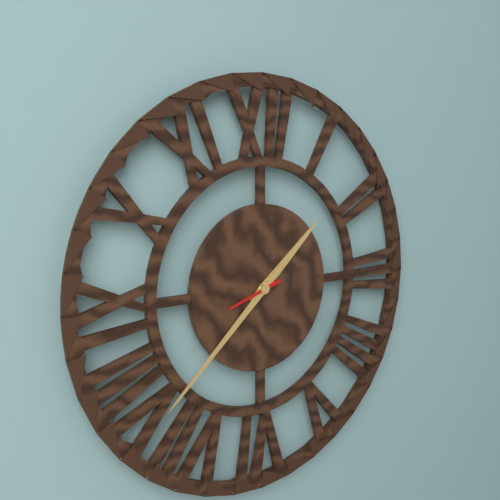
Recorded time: 1:38
